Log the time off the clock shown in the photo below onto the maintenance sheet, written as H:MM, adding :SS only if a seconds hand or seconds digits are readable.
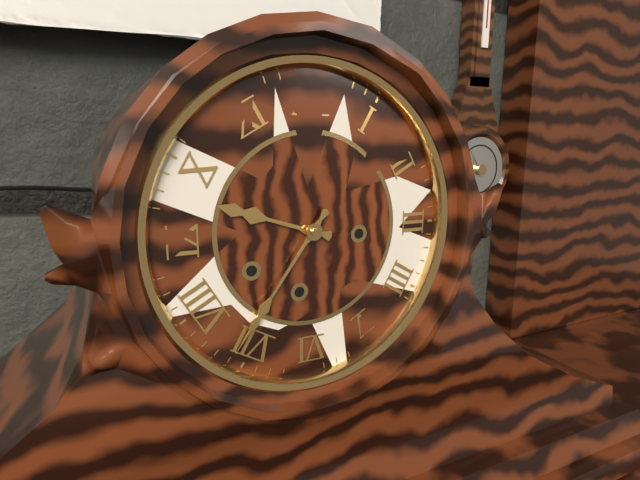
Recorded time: 9:36
